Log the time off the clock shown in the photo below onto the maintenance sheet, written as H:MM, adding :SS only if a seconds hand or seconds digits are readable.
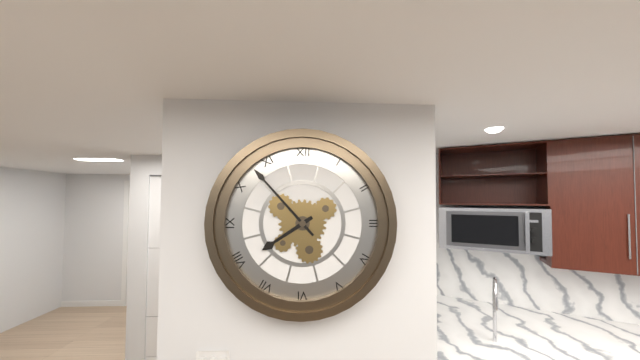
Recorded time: 7:53
